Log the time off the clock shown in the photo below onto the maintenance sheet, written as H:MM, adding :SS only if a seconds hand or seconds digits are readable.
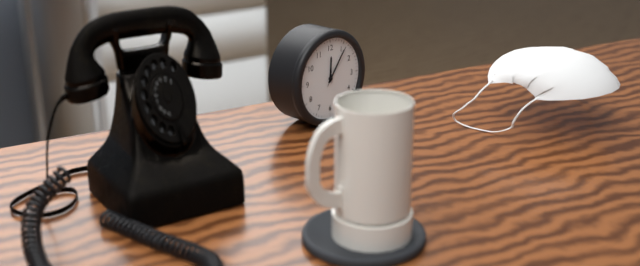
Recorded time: 12:06
